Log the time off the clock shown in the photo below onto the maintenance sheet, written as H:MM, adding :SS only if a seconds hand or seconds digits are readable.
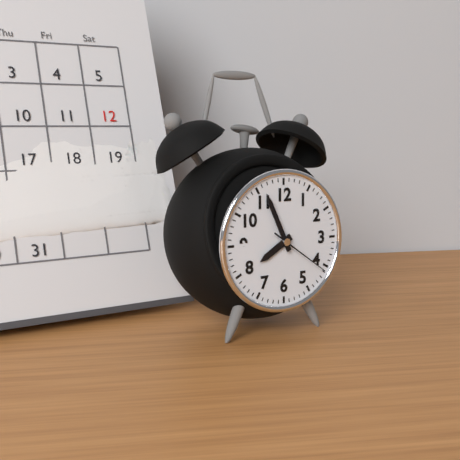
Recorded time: 7:56:21
